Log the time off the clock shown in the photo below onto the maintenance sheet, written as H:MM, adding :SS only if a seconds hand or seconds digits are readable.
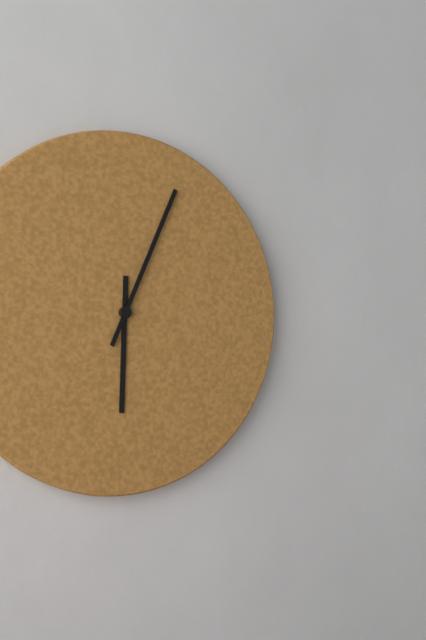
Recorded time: 6:04
